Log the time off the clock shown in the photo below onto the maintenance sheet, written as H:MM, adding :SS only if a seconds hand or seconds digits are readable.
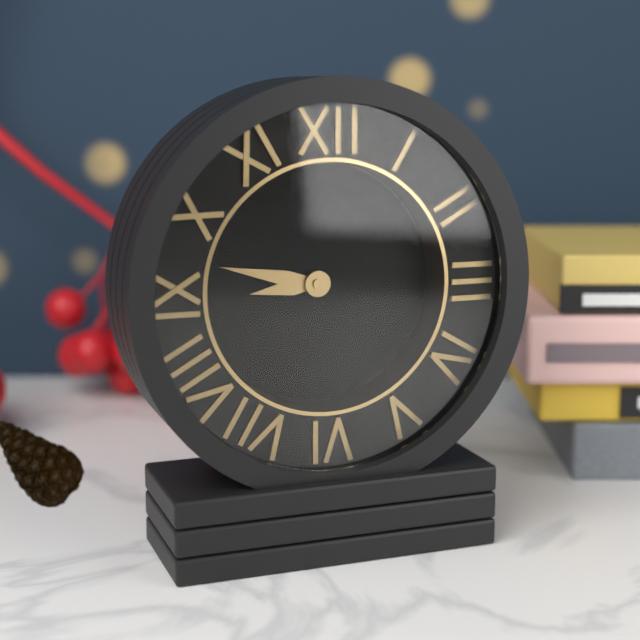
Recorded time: 8:47
